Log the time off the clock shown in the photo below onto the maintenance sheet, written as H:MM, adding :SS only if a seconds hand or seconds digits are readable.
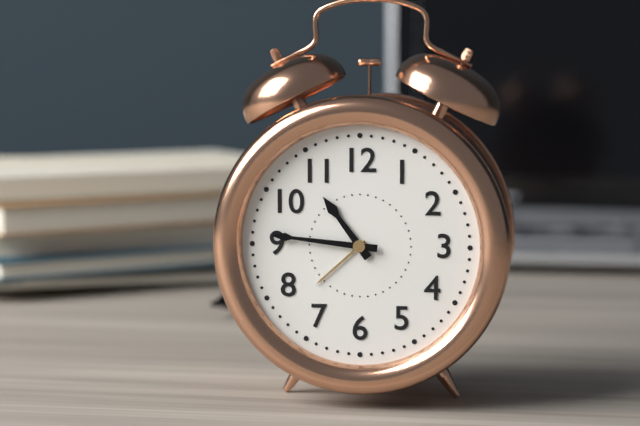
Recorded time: 10:46
